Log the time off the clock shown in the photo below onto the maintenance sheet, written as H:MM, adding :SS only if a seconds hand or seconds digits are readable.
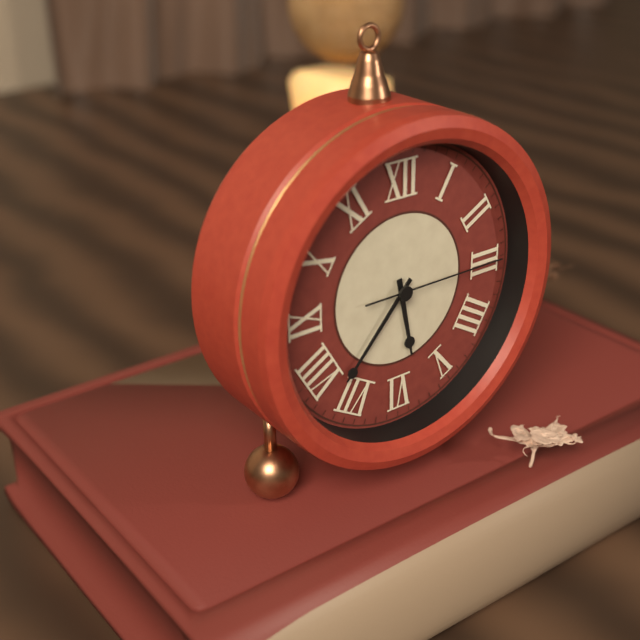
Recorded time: 5:37:15
